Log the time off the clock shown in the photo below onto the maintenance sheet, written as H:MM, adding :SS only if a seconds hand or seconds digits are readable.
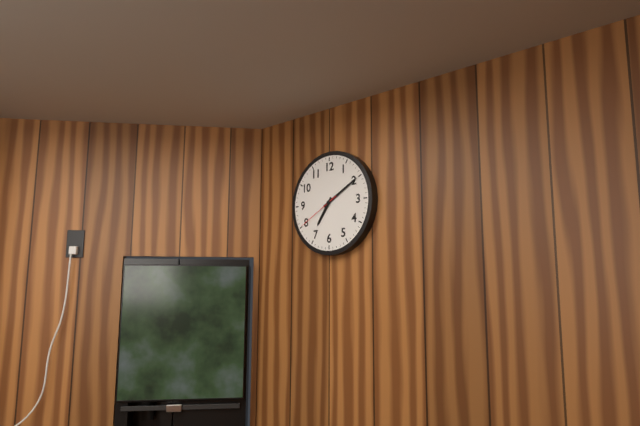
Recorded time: 7:10:40
